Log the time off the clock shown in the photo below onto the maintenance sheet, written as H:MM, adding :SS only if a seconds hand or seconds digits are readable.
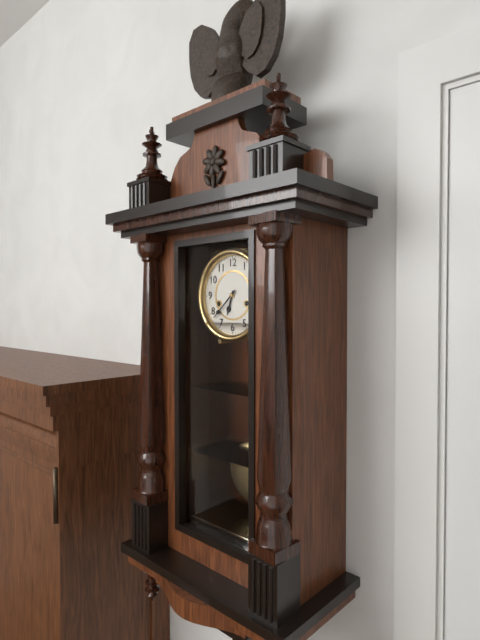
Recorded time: 6:38
